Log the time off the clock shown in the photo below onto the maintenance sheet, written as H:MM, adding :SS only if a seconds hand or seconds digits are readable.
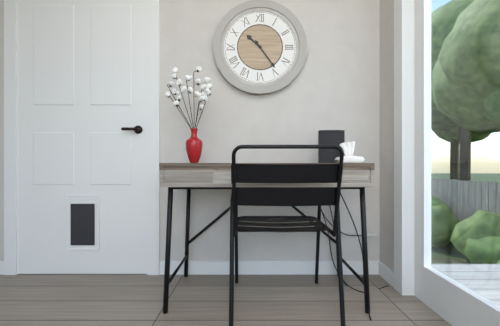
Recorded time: 10:24
